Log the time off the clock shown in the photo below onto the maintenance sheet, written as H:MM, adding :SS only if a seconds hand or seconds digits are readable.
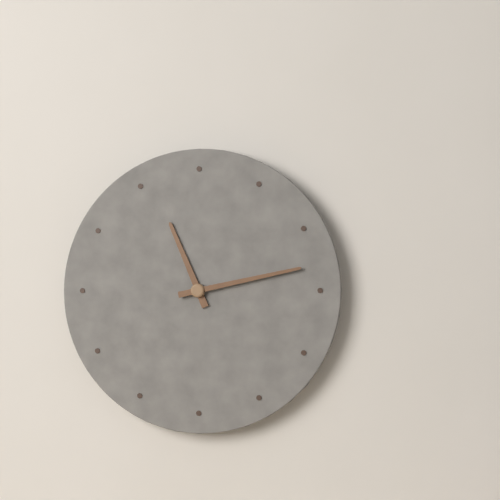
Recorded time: 11:13
